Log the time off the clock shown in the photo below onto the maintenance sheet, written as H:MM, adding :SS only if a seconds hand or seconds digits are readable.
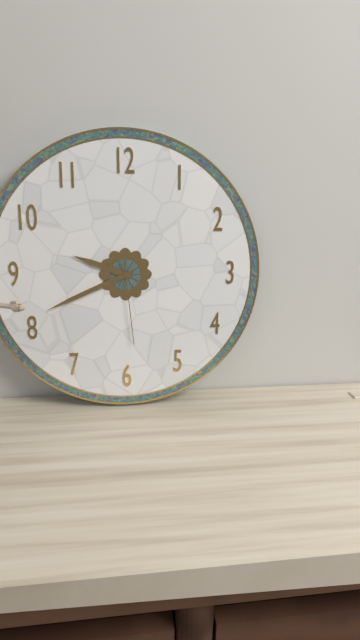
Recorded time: 9:41:29
